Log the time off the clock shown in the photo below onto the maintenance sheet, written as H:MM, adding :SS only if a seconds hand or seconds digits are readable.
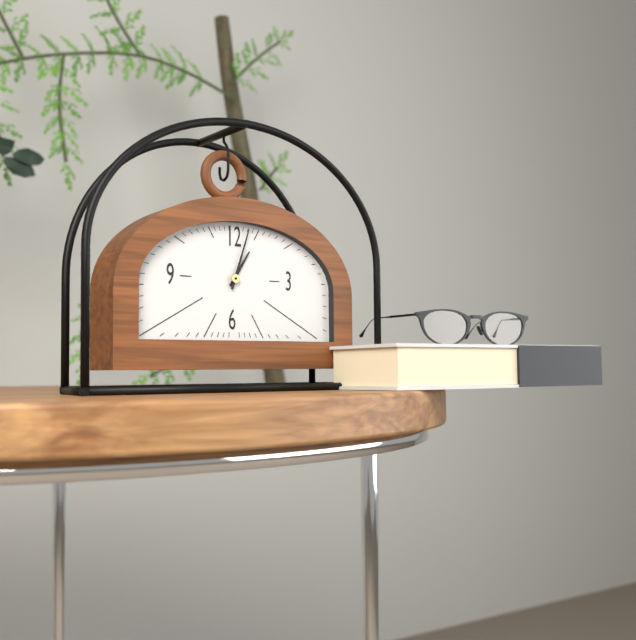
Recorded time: 1:03
